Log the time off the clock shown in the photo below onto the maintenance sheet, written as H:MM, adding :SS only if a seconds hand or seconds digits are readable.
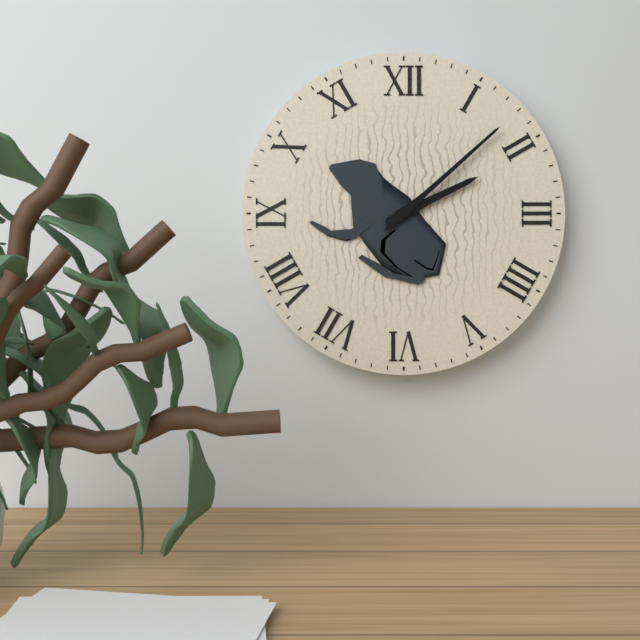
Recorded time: 2:08
